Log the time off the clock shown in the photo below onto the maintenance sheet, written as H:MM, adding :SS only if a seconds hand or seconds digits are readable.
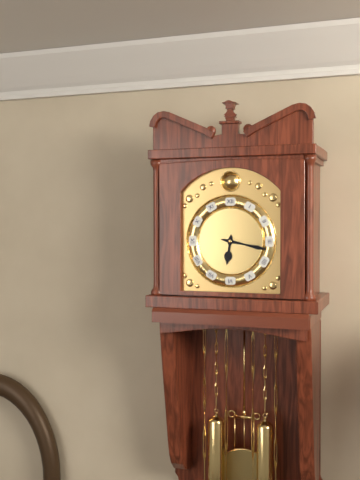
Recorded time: 6:17
